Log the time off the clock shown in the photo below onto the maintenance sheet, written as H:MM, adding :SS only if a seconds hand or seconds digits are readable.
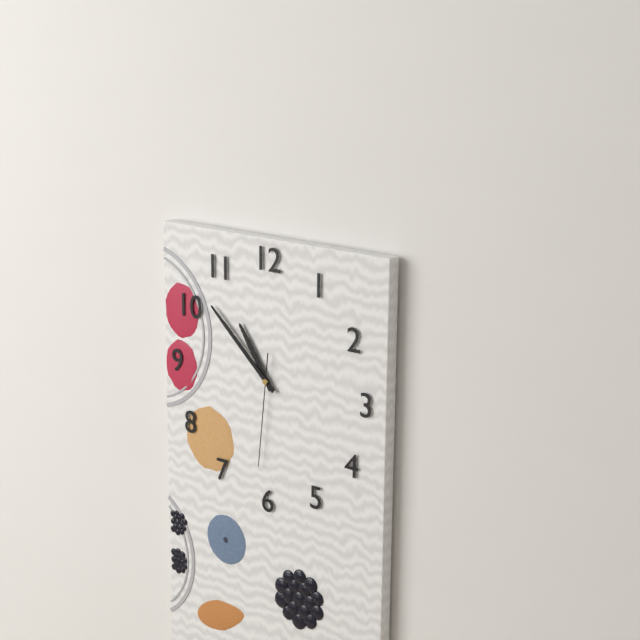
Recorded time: 10:52:31
